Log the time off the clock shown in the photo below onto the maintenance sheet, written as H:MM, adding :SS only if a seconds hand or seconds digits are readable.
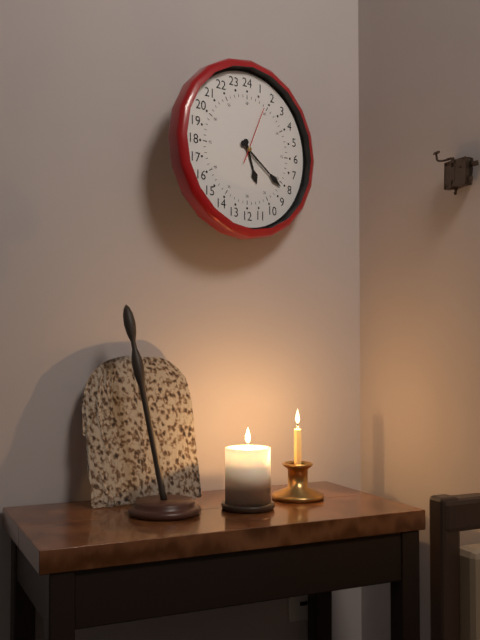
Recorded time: 5:21:04
